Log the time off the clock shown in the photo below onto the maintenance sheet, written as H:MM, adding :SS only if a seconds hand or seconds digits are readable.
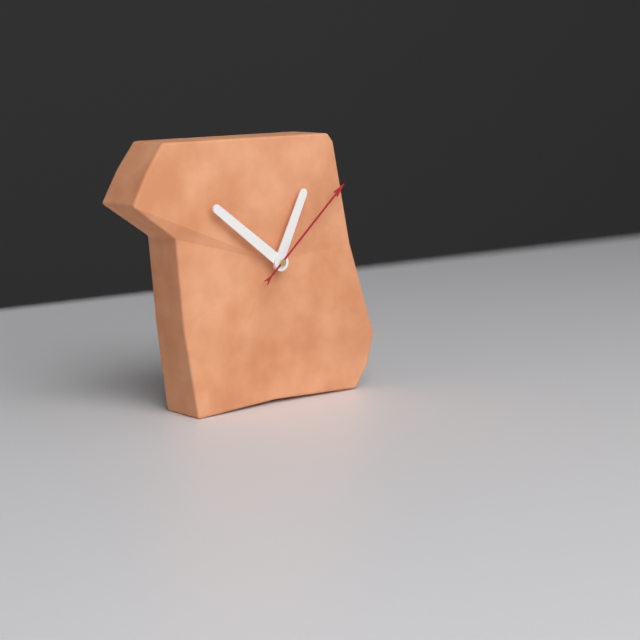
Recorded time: 12:51:08
